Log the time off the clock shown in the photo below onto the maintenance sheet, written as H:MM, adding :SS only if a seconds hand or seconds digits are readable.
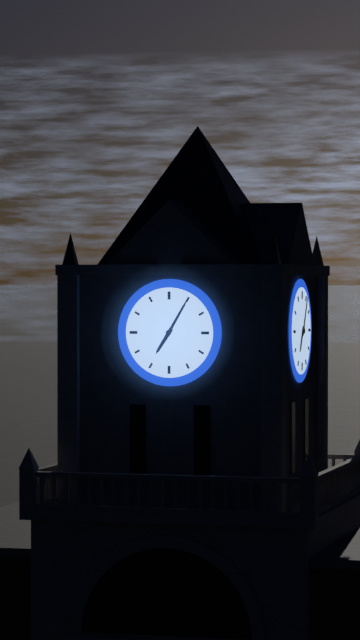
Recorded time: 7:05
